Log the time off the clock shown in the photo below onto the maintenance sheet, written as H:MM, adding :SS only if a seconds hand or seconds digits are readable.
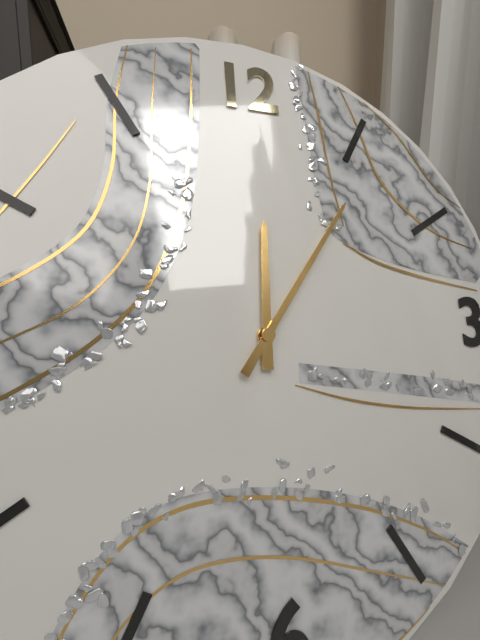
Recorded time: 12:06
